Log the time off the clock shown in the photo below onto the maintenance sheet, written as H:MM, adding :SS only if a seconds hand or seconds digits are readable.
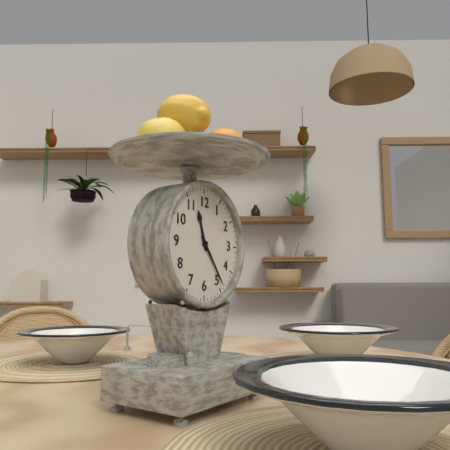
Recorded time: 11:24
